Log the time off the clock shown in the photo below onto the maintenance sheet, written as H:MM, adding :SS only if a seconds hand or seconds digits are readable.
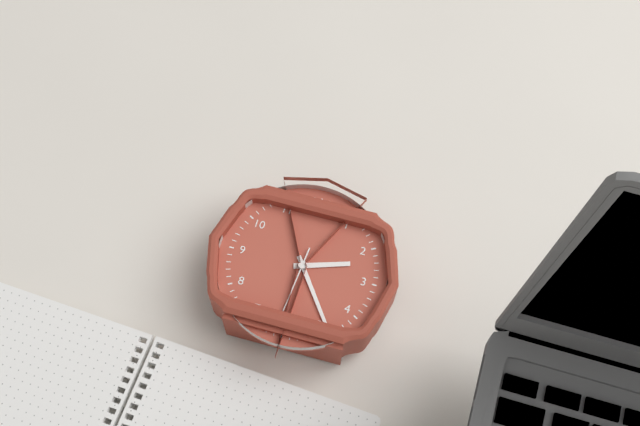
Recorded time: 2:24
